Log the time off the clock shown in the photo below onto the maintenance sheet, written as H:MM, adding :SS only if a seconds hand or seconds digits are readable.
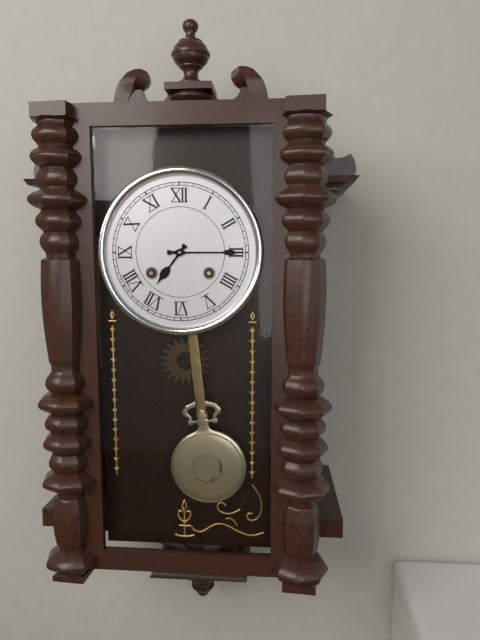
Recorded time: 7:15
